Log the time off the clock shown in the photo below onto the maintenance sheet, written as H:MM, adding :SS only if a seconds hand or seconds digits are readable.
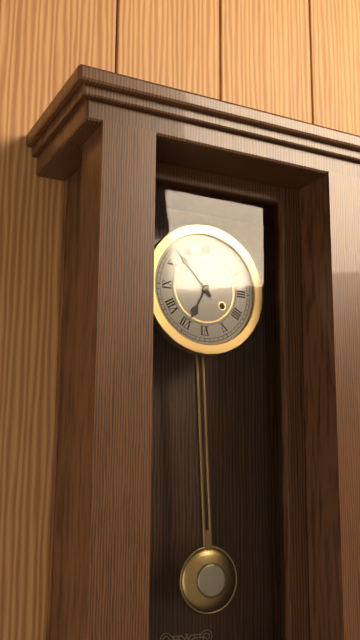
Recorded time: 6:53
